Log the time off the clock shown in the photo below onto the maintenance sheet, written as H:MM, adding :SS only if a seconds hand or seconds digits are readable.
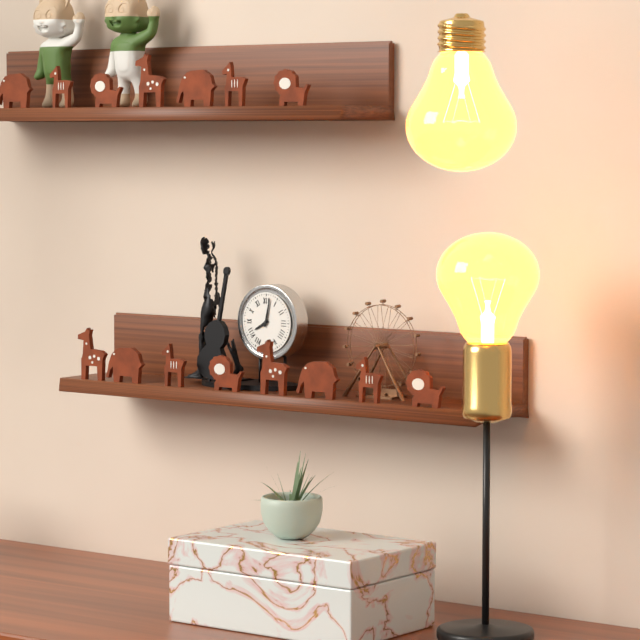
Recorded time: 8:02
